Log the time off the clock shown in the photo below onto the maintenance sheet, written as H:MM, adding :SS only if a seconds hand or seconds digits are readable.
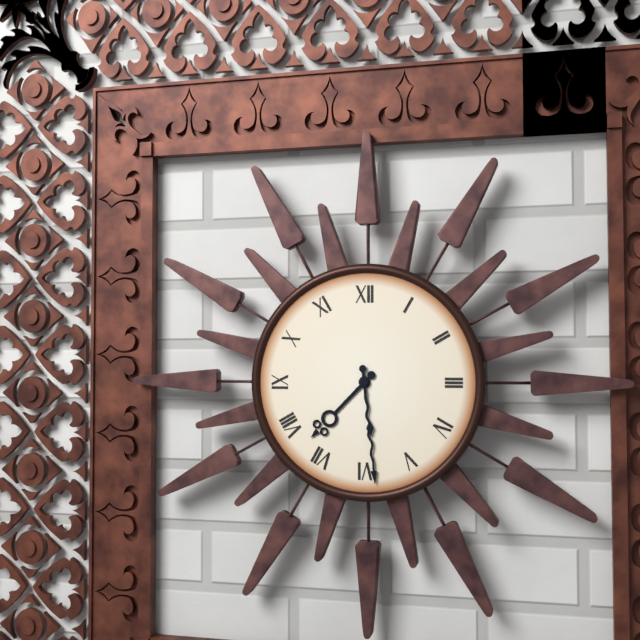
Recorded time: 7:29
